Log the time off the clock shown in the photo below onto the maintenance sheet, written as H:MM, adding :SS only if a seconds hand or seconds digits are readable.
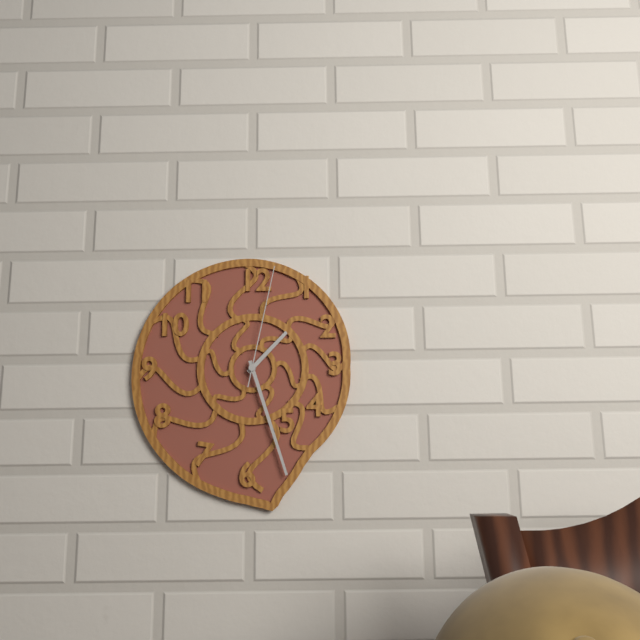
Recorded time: 1:27:02
